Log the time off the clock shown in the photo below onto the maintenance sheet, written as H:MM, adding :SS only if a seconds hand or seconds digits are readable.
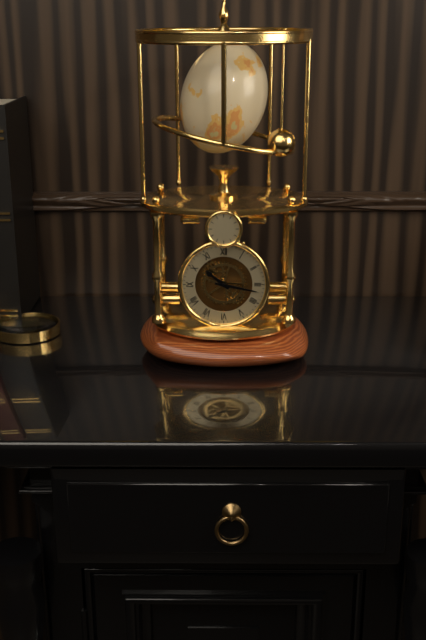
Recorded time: 10:17
